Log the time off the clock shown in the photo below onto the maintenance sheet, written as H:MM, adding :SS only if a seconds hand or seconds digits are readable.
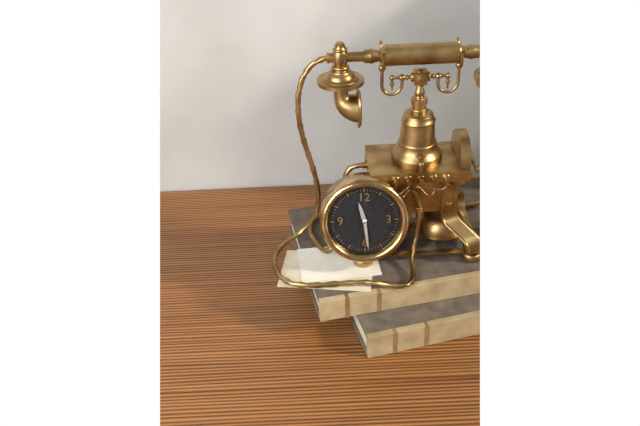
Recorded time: 11:29
